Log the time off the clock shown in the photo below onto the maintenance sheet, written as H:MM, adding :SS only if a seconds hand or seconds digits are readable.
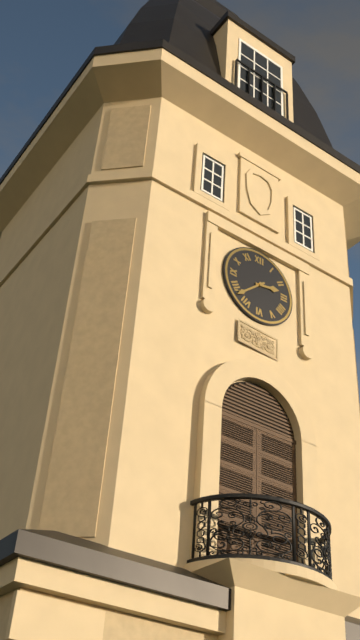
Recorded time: 2:38
